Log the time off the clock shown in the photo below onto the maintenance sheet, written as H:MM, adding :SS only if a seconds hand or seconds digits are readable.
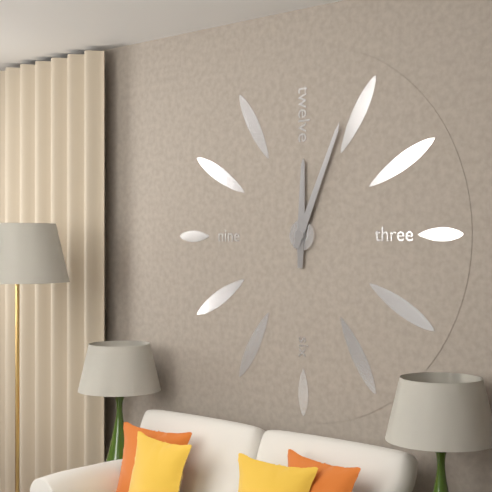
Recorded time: 12:04
